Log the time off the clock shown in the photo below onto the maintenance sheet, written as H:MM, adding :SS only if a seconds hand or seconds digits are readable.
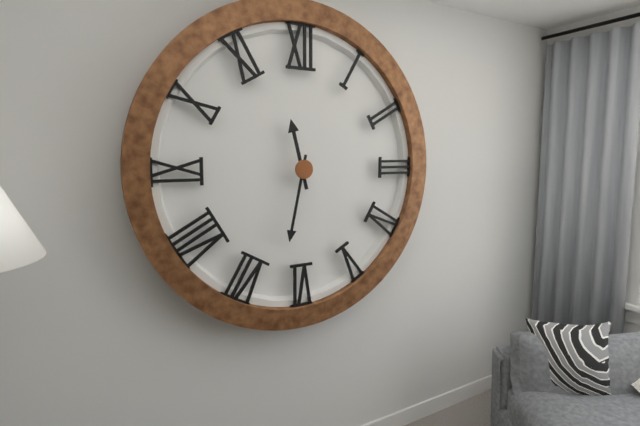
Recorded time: 11:32
